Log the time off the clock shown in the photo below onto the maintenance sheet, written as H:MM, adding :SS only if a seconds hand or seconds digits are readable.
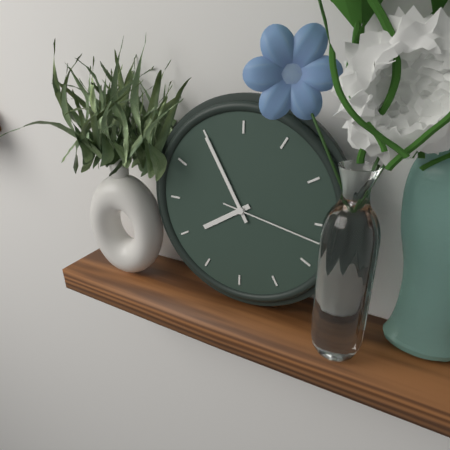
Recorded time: 7:55:17
